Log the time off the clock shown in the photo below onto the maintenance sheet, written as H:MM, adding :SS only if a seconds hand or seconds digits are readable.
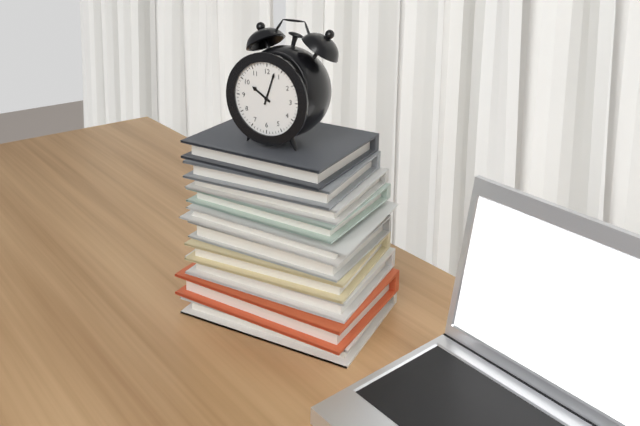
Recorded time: 10:03
